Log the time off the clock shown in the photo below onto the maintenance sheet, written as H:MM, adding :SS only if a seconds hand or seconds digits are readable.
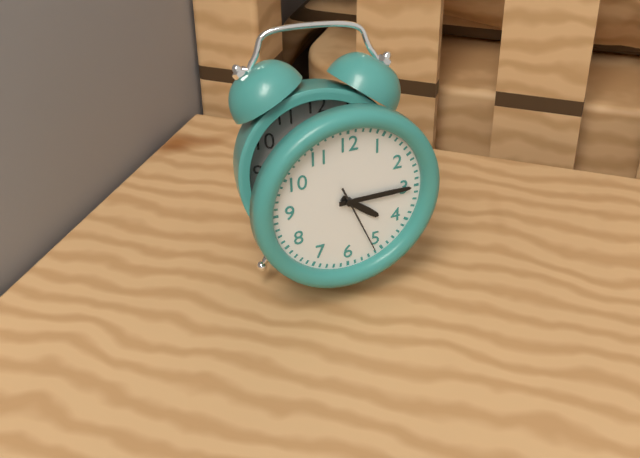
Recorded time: 4:15:26
